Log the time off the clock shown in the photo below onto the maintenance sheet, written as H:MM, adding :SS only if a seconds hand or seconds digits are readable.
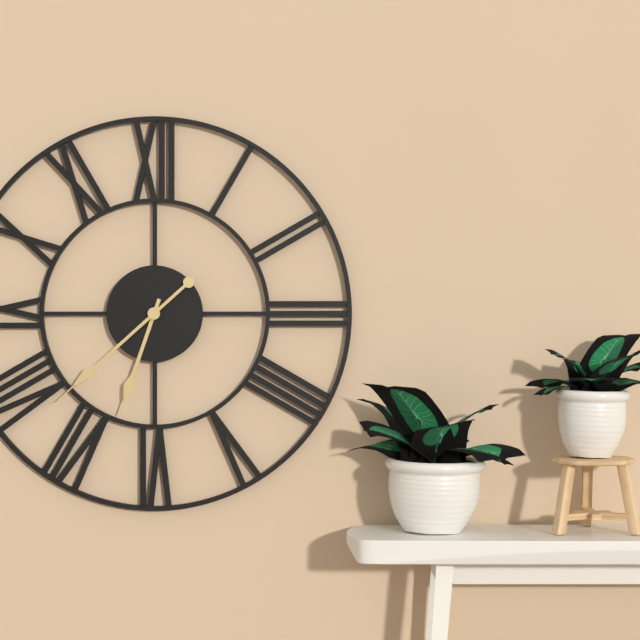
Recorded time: 6:38
